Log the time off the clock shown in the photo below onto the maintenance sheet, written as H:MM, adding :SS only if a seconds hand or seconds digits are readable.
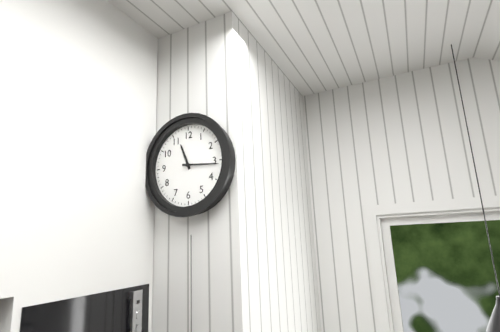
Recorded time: 11:16
